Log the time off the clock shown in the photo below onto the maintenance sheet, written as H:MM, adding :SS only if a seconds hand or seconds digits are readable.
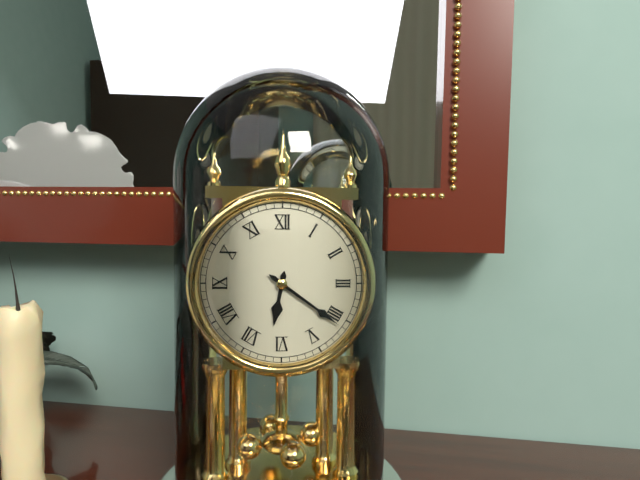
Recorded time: 6:21
